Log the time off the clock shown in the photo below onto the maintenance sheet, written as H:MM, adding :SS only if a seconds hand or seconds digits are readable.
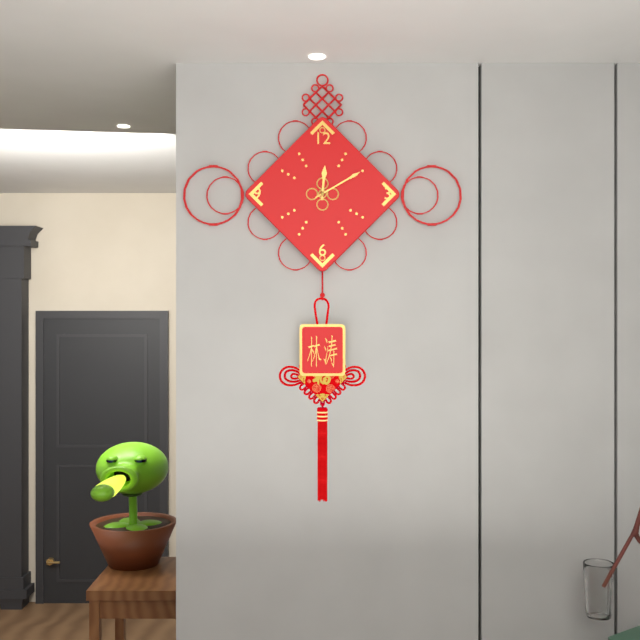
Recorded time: 12:10
